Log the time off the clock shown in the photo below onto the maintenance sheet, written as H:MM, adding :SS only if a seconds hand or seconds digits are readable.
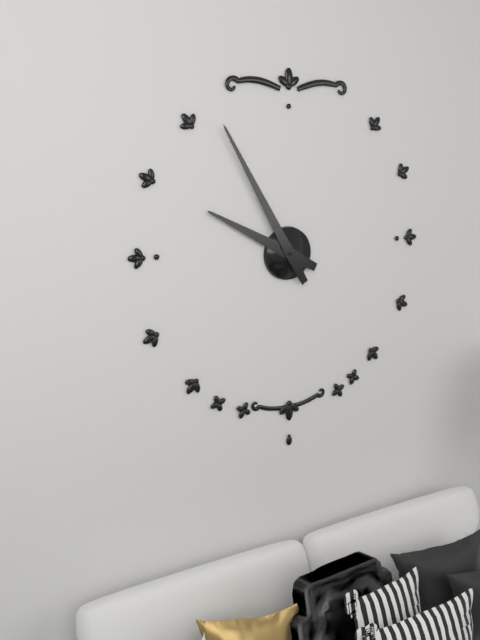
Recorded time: 9:55
